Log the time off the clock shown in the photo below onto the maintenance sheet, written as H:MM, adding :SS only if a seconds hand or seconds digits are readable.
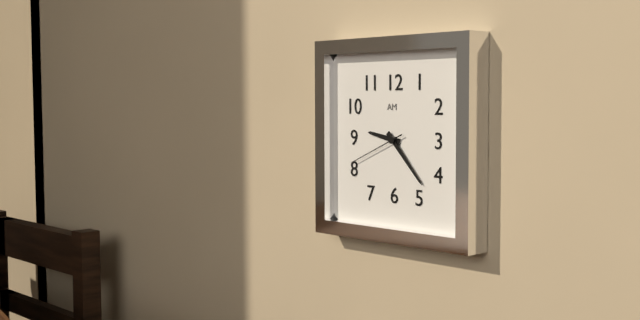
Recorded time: 9:23:41
